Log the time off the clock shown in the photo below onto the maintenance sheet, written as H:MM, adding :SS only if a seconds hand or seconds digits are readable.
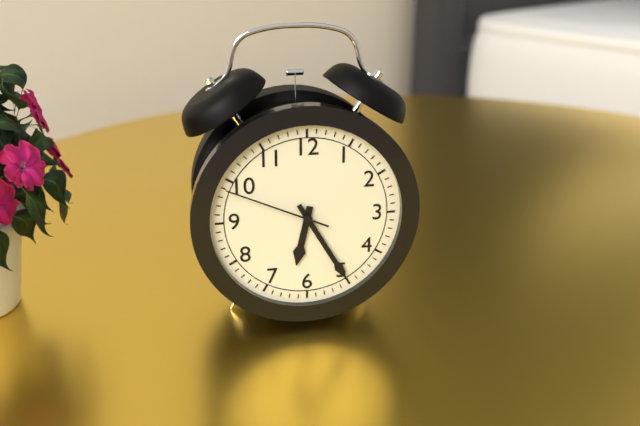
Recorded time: 6:25:49
